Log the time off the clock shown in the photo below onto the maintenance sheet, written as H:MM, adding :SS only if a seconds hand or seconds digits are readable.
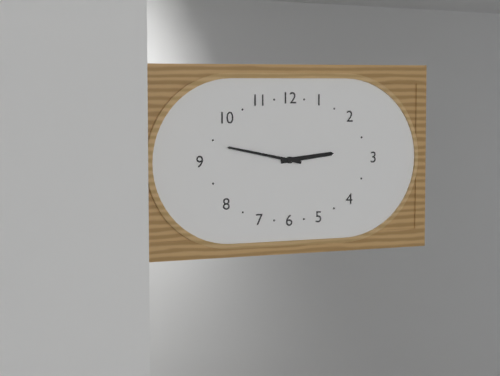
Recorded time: 2:47
